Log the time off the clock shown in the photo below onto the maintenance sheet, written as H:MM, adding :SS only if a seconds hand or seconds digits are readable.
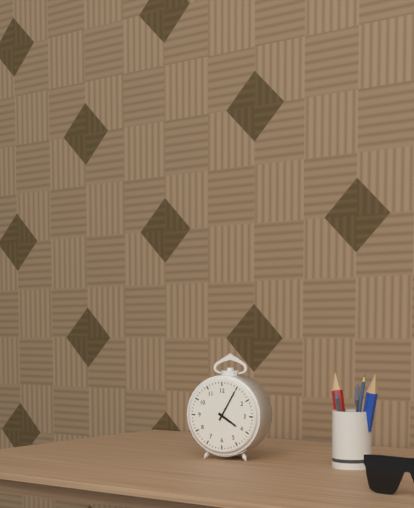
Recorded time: 4:05
